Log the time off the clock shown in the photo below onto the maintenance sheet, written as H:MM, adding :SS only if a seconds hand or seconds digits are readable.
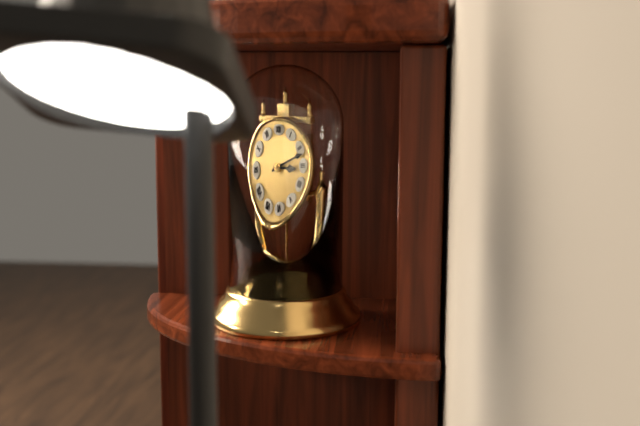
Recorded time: 3:12
